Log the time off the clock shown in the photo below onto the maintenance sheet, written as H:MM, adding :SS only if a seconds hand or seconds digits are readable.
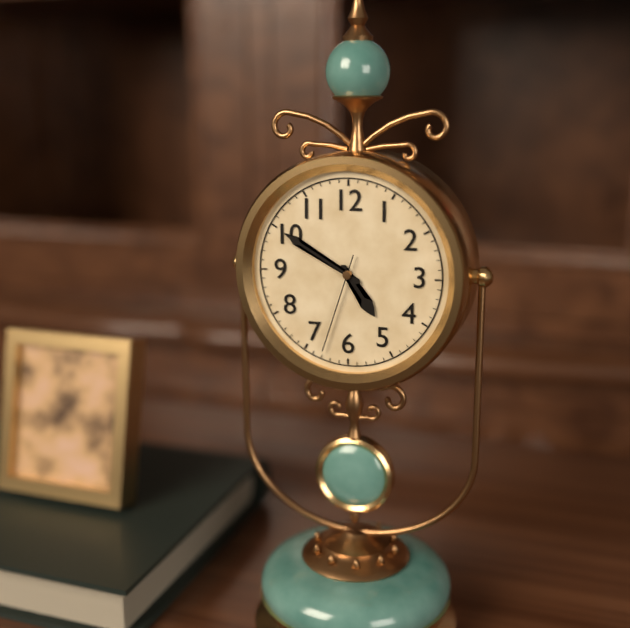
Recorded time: 4:50:33
